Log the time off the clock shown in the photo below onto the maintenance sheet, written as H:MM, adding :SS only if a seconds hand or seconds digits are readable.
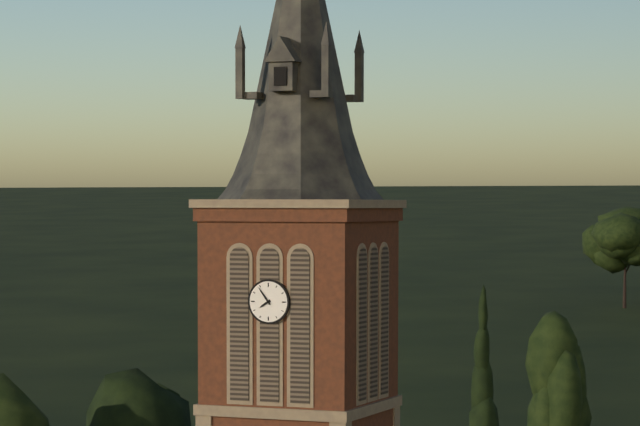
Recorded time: 7:54
